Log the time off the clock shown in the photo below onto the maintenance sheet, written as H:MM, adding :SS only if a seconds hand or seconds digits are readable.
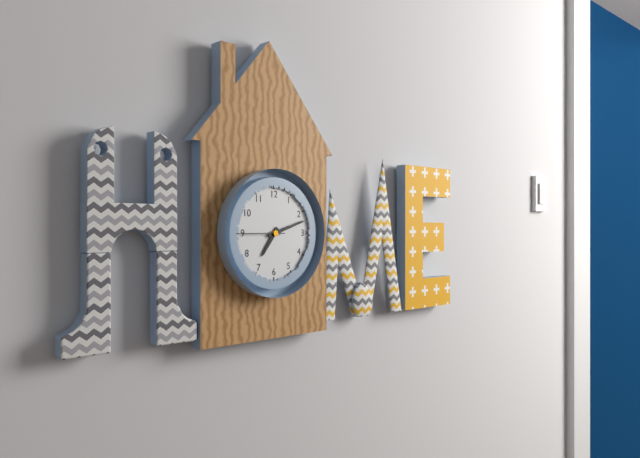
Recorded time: 7:12
